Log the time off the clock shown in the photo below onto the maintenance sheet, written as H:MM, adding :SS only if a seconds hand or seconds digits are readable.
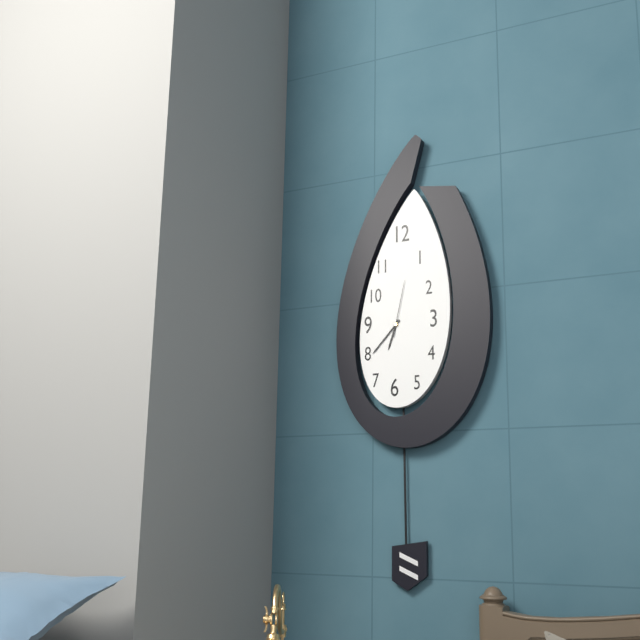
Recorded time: 6:37:02
